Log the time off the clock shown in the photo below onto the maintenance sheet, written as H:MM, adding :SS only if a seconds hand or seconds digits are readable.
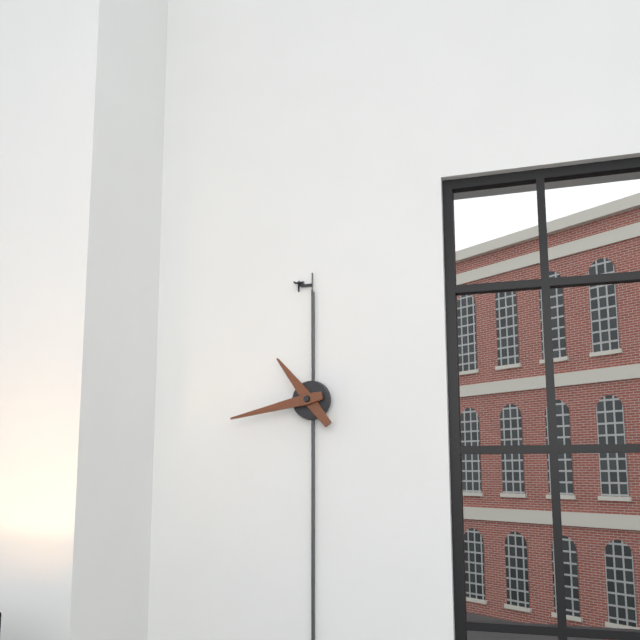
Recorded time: 10:43
